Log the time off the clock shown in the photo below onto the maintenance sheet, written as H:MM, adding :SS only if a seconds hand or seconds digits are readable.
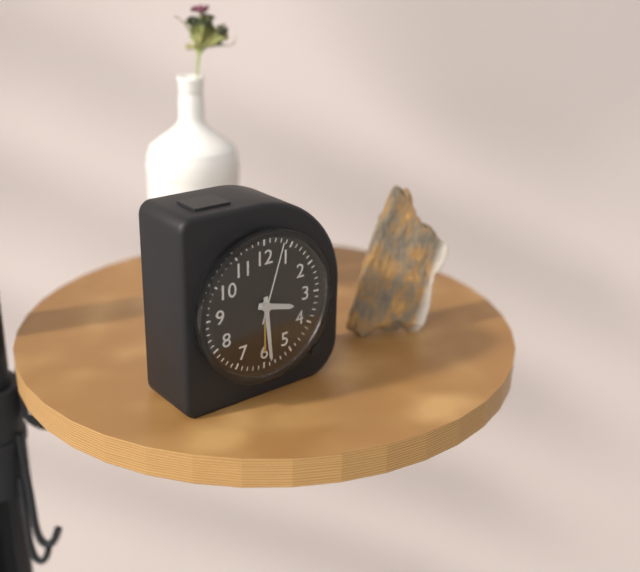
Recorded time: 3:29:03
